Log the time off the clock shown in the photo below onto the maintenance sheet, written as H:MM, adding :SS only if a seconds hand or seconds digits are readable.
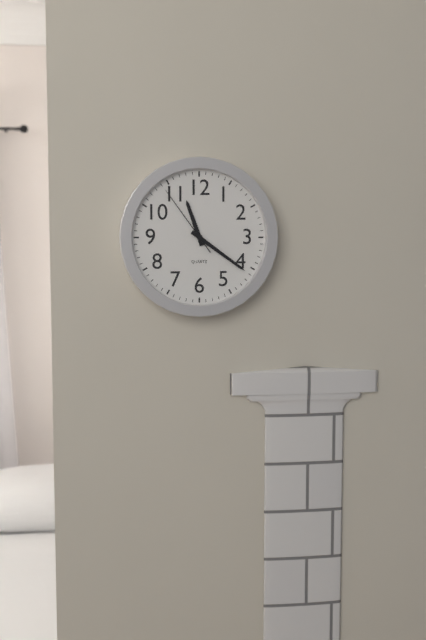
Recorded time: 11:21:54
